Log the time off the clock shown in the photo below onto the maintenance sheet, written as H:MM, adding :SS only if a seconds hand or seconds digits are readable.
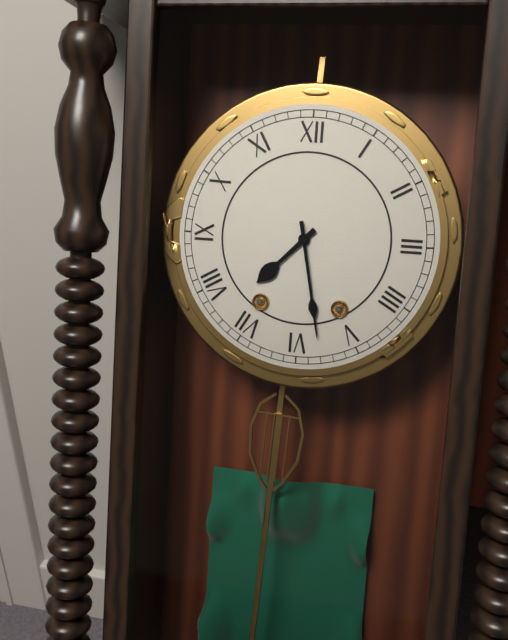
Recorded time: 7:28
